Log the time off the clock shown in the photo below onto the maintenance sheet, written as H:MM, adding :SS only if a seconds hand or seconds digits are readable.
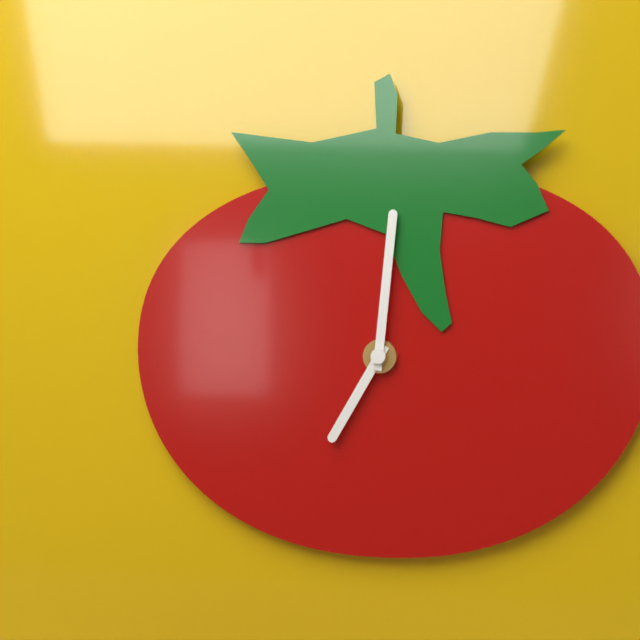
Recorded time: 7:01
